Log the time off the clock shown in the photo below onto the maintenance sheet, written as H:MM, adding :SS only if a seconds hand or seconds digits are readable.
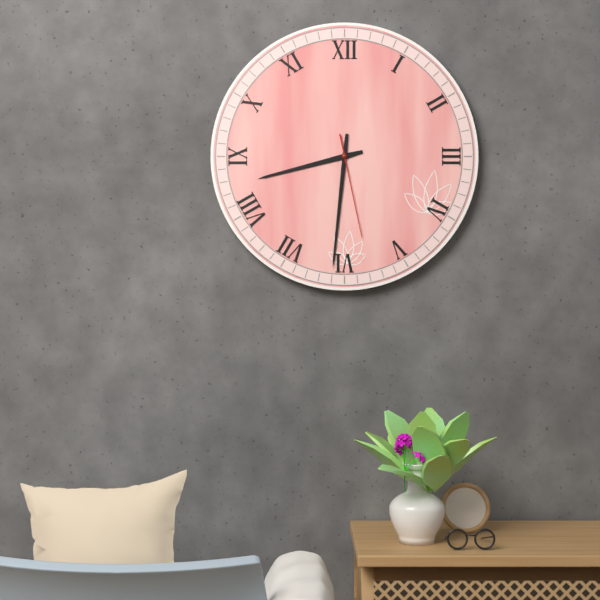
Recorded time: 8:31:28
